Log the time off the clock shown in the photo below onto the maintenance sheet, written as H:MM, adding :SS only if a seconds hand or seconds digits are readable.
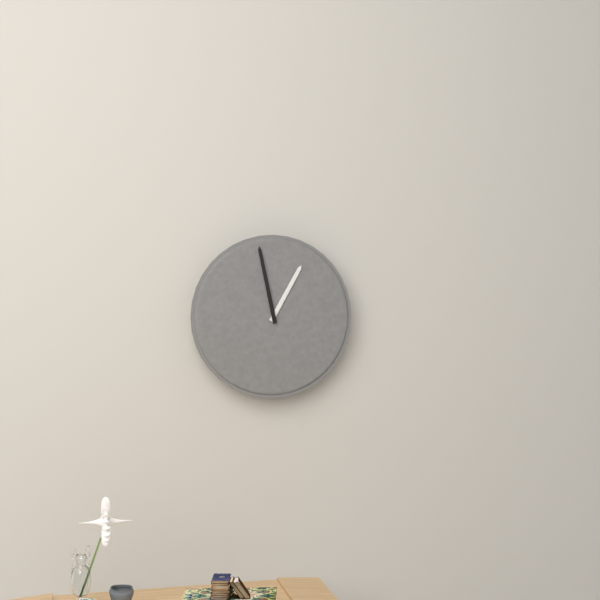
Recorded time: 12:58
